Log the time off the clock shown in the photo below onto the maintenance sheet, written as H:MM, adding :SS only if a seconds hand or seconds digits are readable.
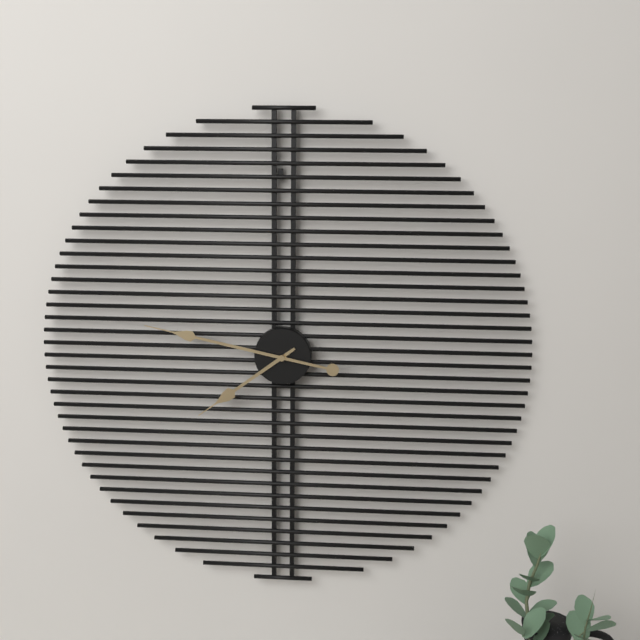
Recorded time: 7:47
